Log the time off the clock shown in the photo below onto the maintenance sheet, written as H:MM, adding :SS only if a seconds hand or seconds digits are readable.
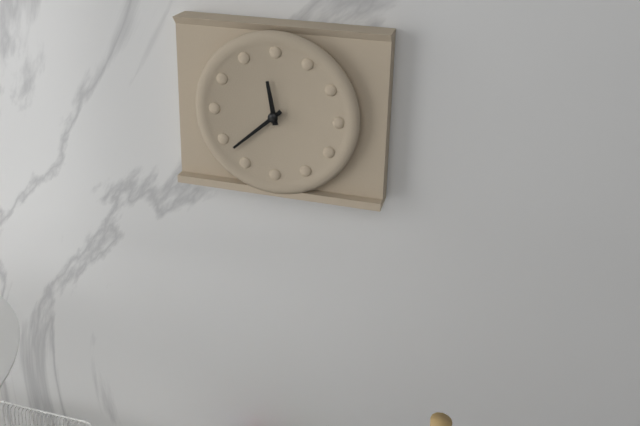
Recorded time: 11:38
